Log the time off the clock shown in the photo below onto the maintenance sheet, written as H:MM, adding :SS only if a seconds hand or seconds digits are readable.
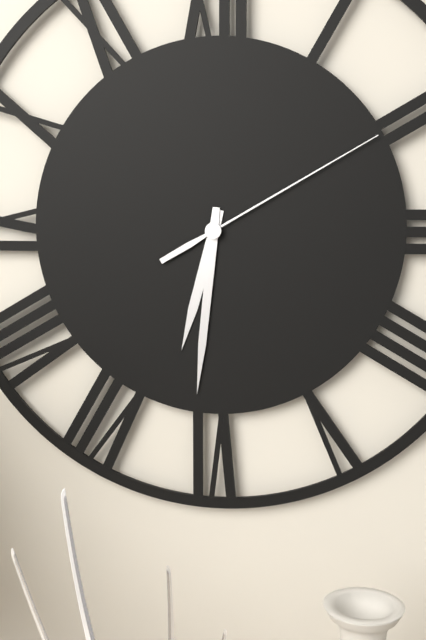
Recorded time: 6:31:10
